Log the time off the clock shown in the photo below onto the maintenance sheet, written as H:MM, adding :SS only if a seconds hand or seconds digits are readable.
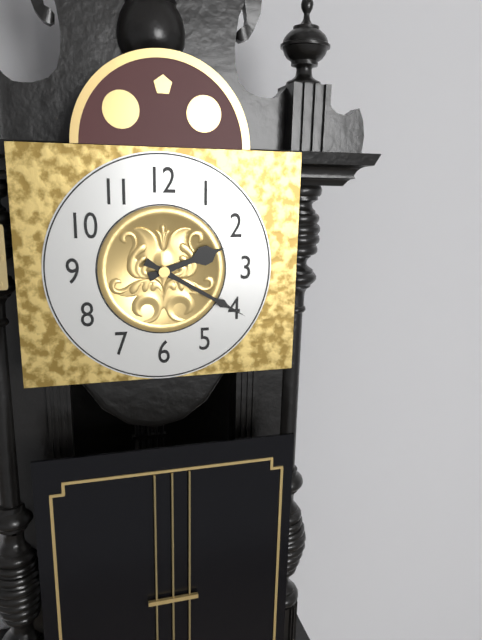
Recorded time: 2:20
